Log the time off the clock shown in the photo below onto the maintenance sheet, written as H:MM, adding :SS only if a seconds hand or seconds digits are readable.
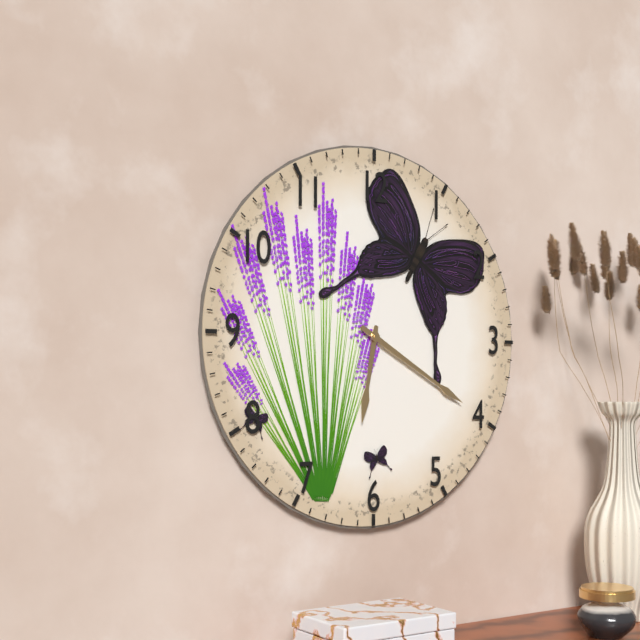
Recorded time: 6:20
